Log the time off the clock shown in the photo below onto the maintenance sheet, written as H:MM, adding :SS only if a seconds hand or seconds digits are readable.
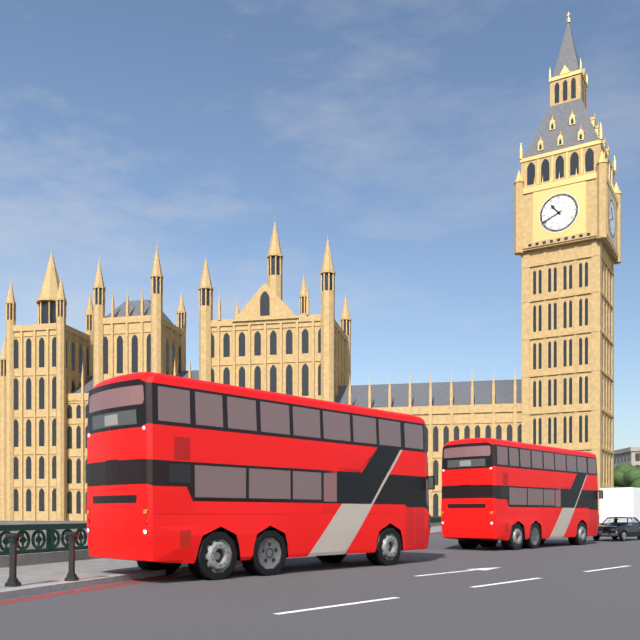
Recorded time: 10:41
